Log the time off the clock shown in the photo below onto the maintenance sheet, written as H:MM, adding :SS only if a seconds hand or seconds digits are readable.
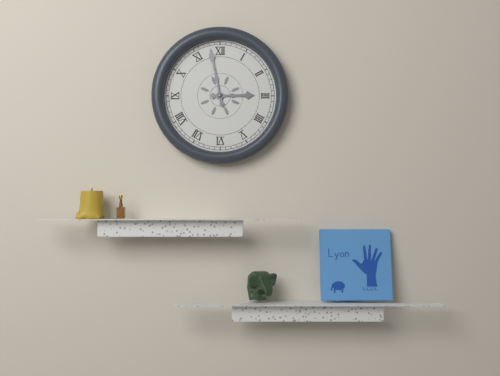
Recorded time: 2:58
